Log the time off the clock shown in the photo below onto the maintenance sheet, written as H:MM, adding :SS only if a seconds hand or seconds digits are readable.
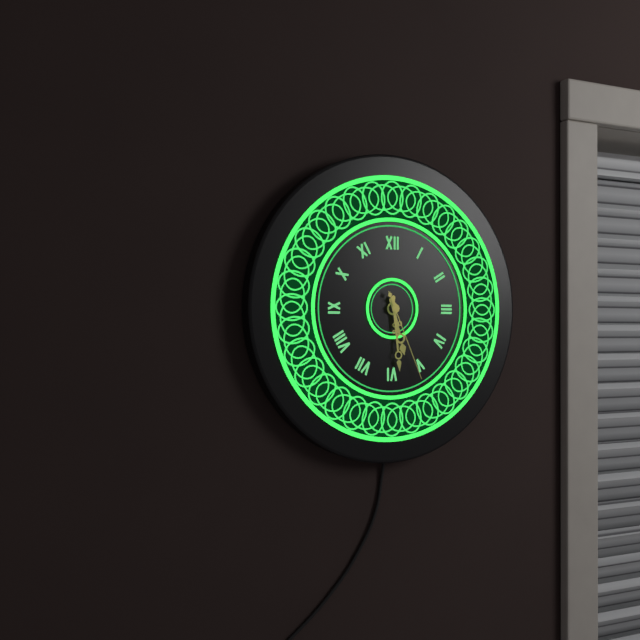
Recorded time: 5:29:26
